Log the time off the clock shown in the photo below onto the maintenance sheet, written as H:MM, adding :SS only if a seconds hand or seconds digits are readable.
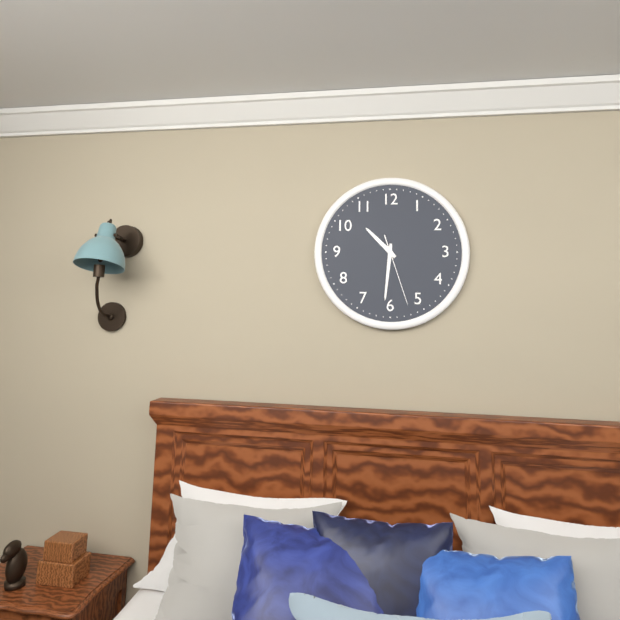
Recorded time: 10:31:27
